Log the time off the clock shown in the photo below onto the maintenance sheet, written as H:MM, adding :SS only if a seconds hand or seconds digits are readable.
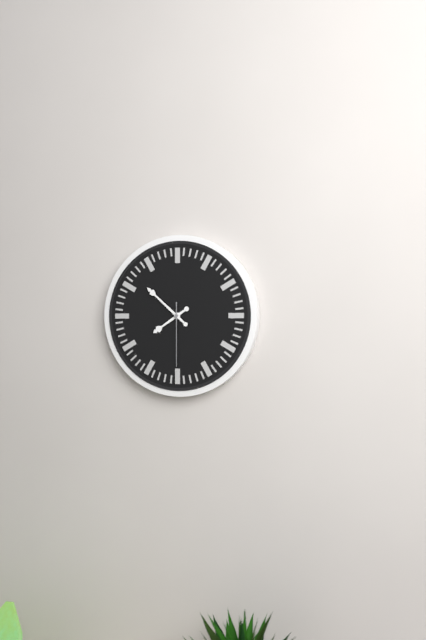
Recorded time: 7:52:30
